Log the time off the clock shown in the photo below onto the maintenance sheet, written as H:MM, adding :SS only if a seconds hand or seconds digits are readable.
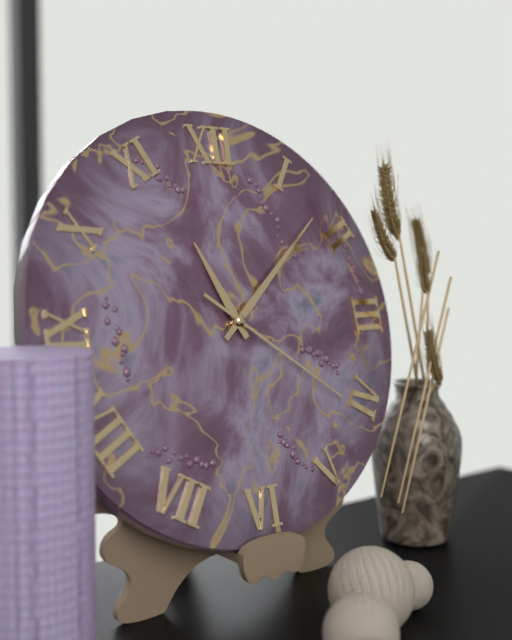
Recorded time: 11:08:21
